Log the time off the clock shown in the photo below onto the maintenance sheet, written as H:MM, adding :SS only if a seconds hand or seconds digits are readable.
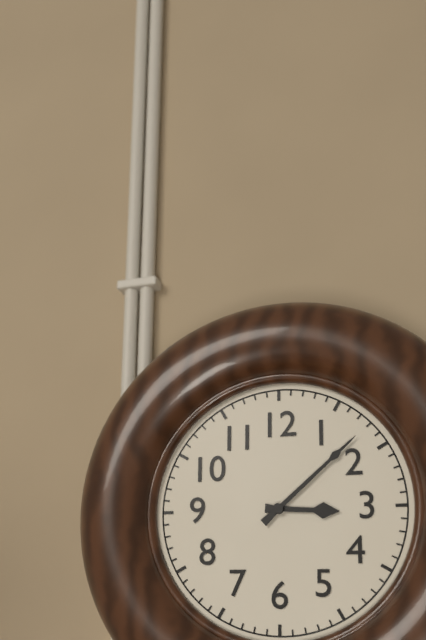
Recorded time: 3:08
